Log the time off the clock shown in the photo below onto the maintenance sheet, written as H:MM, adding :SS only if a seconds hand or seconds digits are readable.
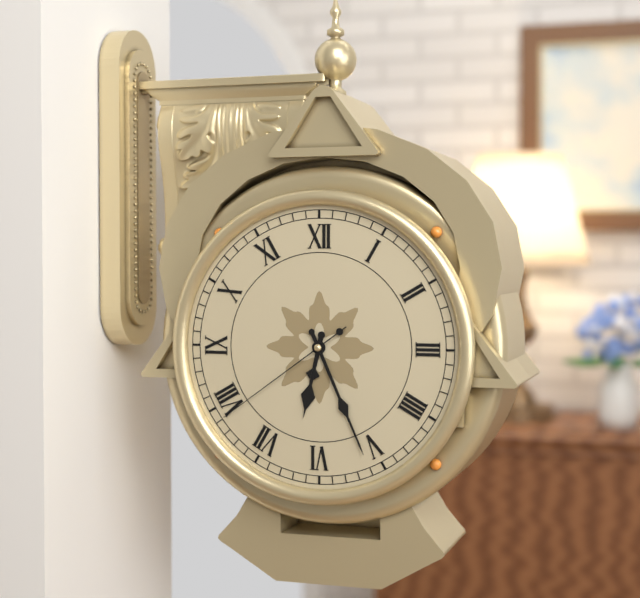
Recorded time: 6:26:39
